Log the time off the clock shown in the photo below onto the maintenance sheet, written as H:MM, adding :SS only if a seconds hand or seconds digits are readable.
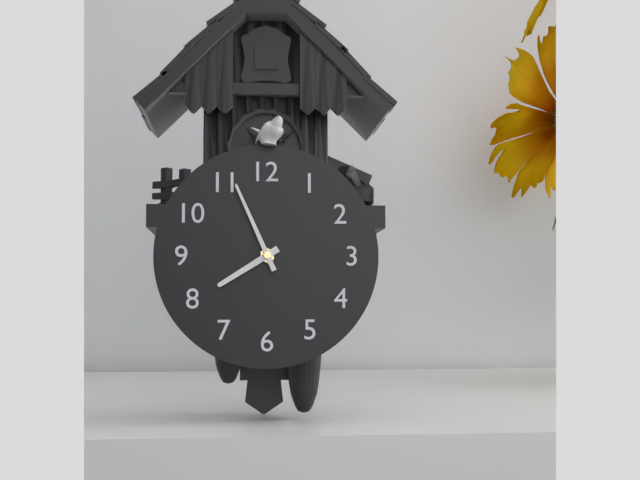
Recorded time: 7:56
